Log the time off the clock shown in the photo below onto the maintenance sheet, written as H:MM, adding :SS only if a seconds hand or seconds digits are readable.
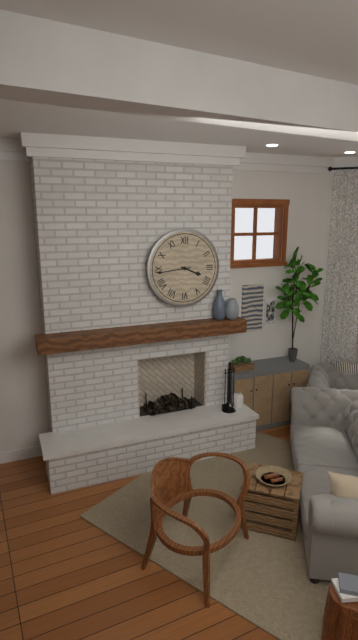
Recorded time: 3:44
